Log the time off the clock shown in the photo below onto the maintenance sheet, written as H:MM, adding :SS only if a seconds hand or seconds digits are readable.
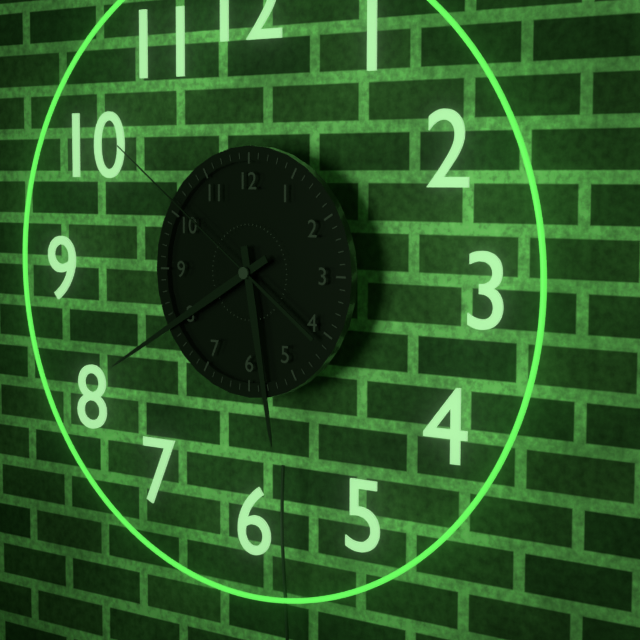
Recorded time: 5:40:51
